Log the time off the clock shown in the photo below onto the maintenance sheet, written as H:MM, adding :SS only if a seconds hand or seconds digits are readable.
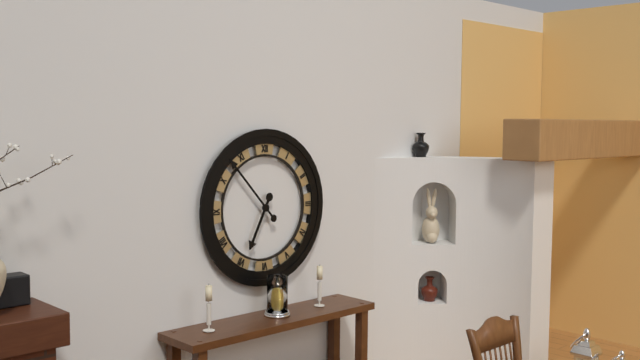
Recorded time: 6:53
